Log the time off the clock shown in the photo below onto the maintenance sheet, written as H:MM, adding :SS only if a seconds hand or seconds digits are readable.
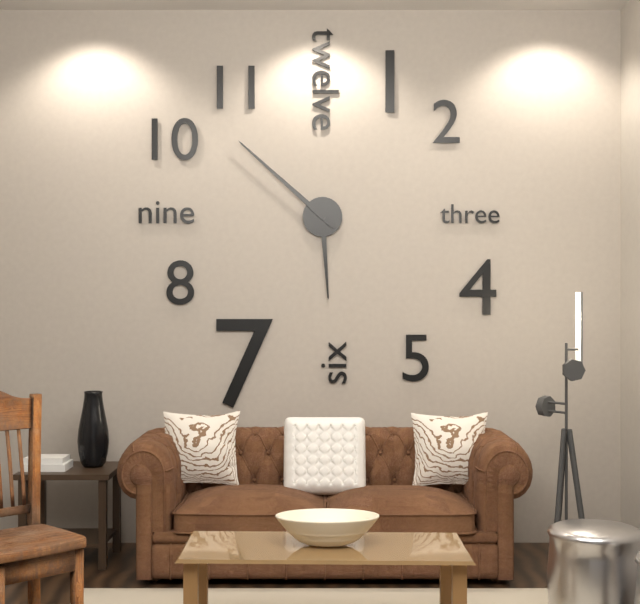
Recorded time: 5:52
